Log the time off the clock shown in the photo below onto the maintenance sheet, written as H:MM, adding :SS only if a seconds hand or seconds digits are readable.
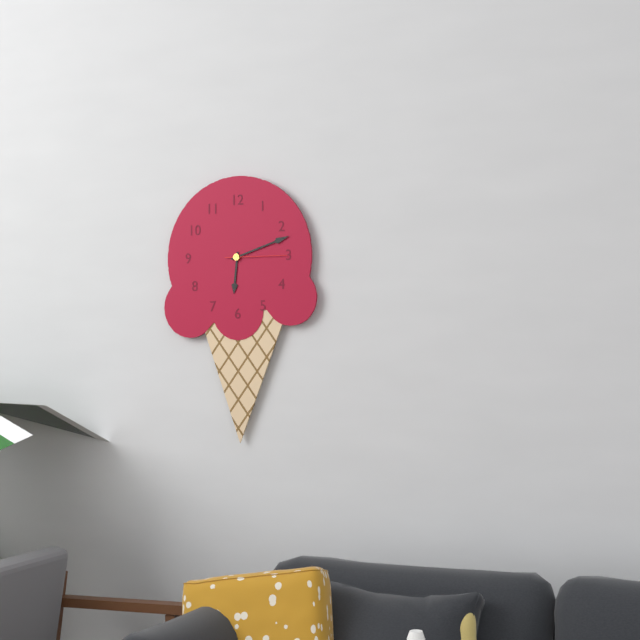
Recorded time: 6:12:15
